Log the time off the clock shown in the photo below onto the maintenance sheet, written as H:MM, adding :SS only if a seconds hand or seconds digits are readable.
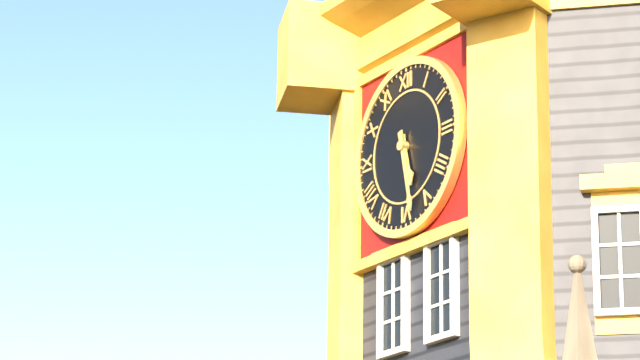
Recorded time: 5:28
